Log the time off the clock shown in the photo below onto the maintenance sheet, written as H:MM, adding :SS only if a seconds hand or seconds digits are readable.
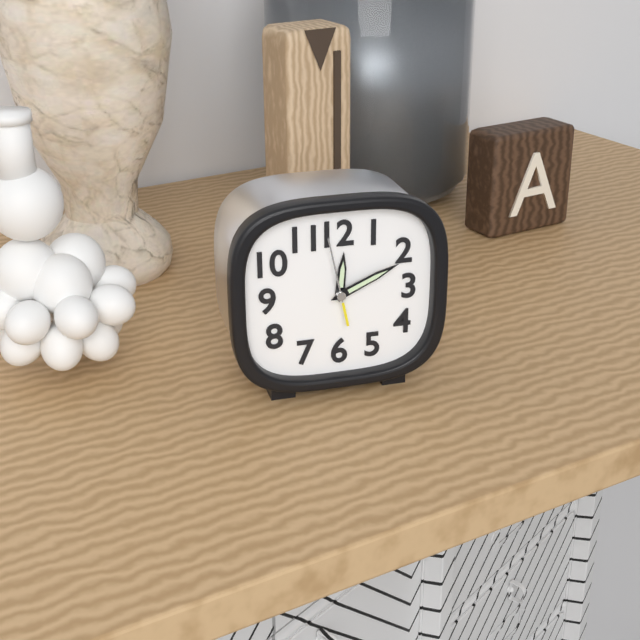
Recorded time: 12:11:58
